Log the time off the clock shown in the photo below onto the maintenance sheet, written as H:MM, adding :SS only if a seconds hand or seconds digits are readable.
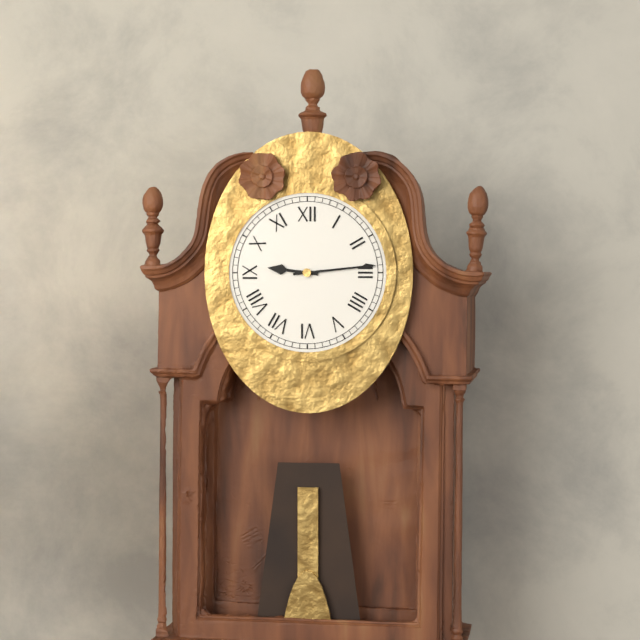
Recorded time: 9:14
